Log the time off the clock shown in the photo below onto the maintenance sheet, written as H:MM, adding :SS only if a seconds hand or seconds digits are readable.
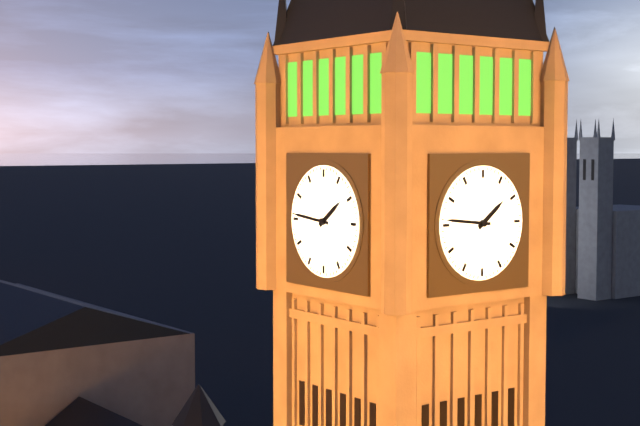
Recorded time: 1:46
